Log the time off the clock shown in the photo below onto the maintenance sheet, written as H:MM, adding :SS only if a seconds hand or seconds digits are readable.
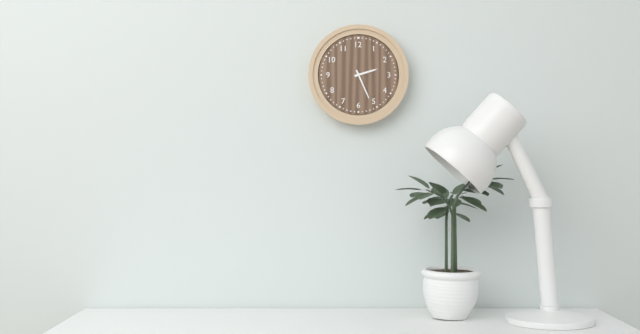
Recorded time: 2:26
